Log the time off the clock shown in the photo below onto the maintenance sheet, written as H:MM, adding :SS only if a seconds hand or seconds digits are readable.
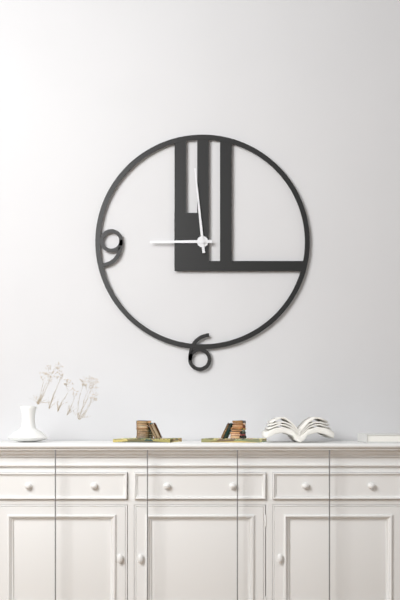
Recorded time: 8:59
